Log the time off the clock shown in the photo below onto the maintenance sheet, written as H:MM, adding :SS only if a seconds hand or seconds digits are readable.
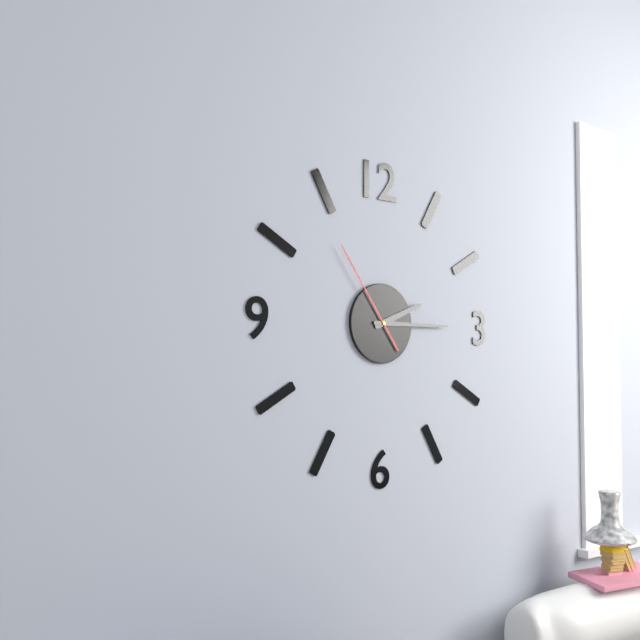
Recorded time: 2:15:54
